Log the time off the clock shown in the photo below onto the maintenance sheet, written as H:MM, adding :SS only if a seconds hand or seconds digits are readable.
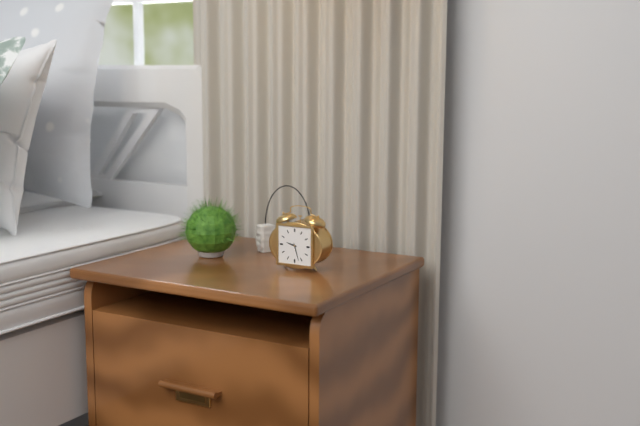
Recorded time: 9:27
